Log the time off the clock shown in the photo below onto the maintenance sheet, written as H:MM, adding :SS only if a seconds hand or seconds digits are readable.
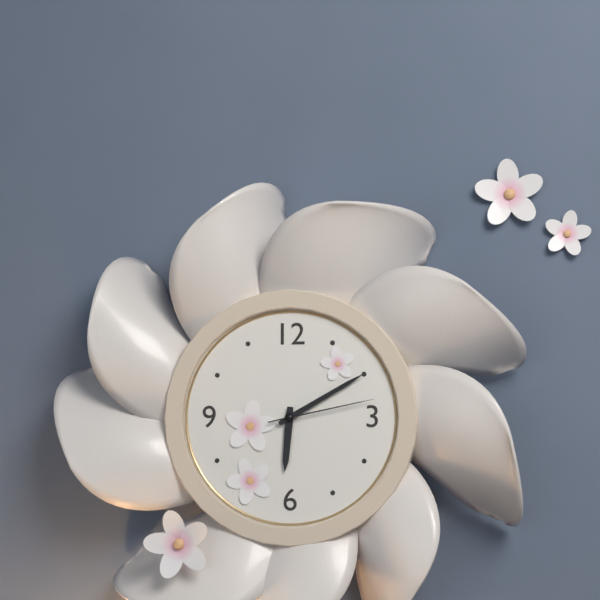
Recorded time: 6:10:13
